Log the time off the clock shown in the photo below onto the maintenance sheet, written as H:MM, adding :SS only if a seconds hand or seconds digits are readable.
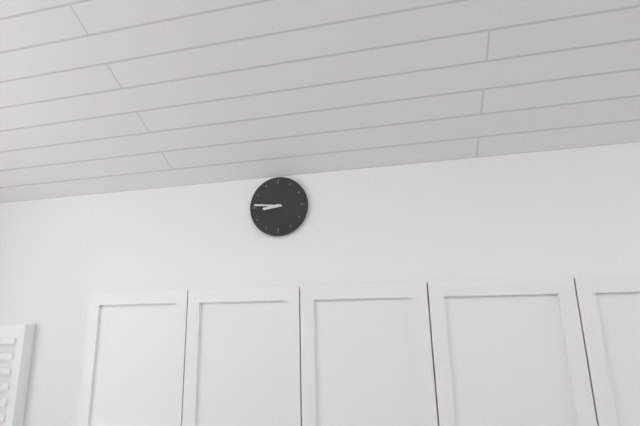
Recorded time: 8:46
